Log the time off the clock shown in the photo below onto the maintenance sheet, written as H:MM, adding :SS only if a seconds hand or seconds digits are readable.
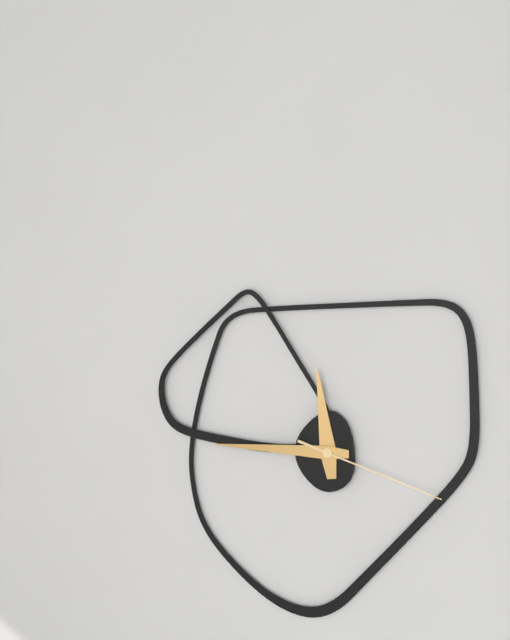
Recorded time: 11:45:18
